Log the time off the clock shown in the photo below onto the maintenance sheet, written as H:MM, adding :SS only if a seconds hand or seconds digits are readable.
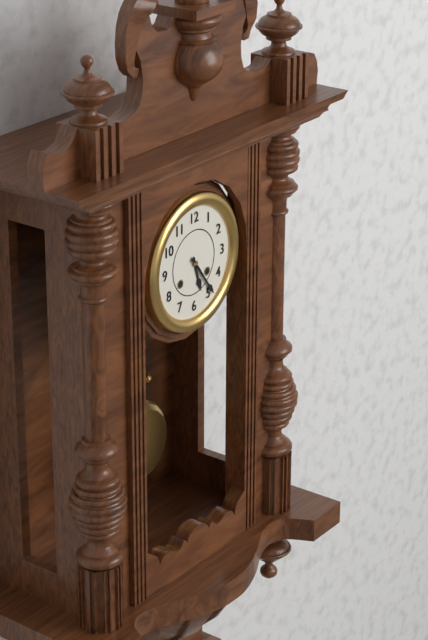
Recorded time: 5:24
